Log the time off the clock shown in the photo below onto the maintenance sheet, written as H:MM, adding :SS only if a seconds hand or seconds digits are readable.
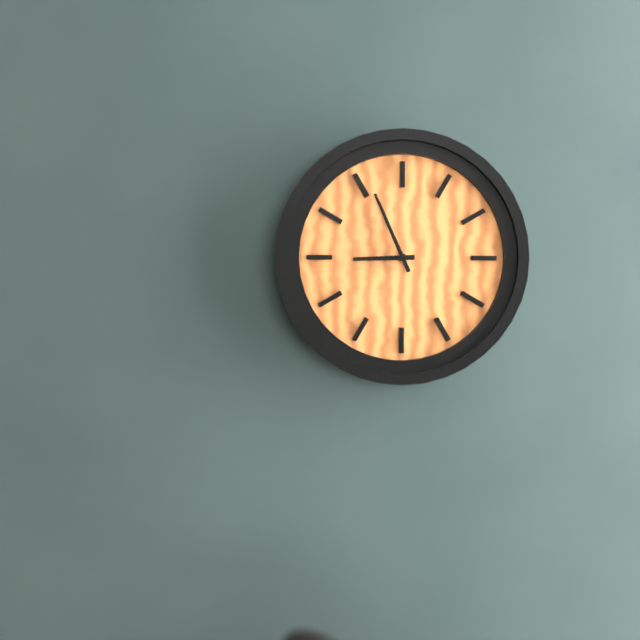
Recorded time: 8:56
